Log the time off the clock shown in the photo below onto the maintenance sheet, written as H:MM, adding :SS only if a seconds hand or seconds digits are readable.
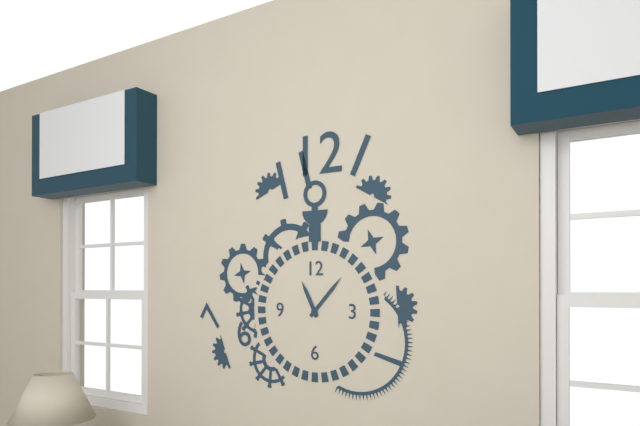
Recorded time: 11:07
